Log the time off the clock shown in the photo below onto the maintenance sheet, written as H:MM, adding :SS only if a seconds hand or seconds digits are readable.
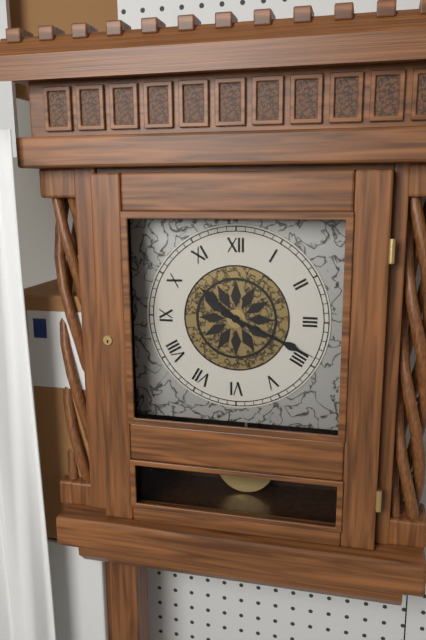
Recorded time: 10:19
